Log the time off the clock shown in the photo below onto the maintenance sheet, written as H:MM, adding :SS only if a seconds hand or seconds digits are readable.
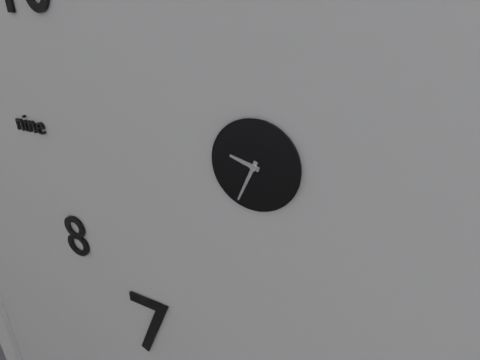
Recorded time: 9:34
